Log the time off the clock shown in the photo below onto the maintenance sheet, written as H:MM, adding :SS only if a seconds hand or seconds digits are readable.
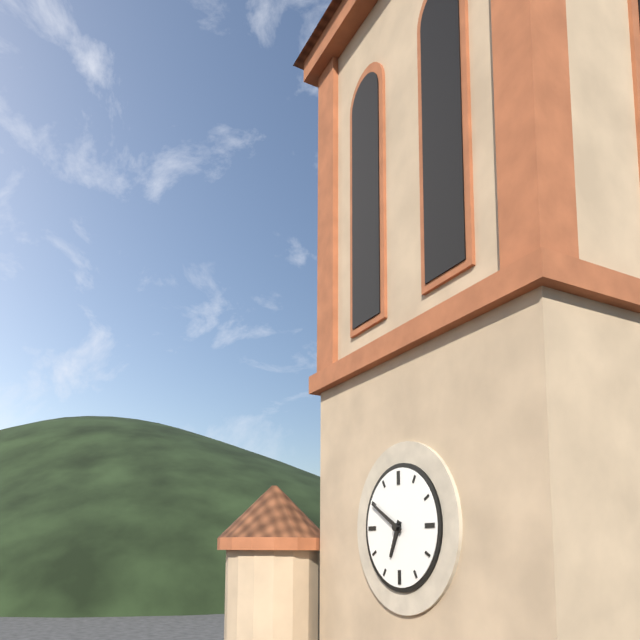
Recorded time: 6:50
